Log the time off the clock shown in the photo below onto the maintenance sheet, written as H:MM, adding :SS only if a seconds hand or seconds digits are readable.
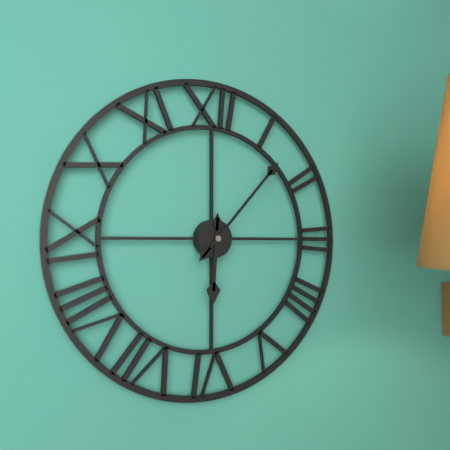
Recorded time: 6:07
